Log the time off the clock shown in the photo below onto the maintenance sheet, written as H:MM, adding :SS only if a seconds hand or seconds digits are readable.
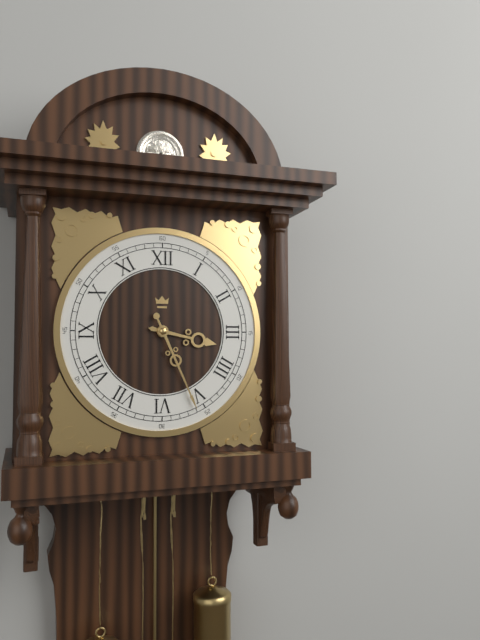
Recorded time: 3:26
